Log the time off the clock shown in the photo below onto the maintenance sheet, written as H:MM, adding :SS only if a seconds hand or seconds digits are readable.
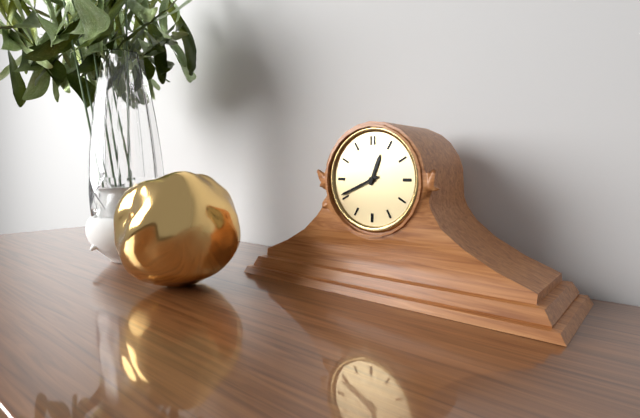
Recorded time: 12:41
